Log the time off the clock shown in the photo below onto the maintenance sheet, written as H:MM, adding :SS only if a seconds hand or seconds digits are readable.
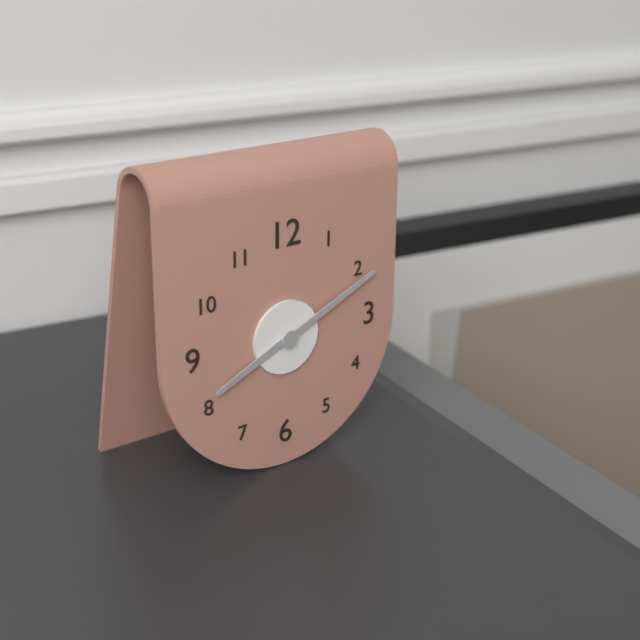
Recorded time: 8:11
